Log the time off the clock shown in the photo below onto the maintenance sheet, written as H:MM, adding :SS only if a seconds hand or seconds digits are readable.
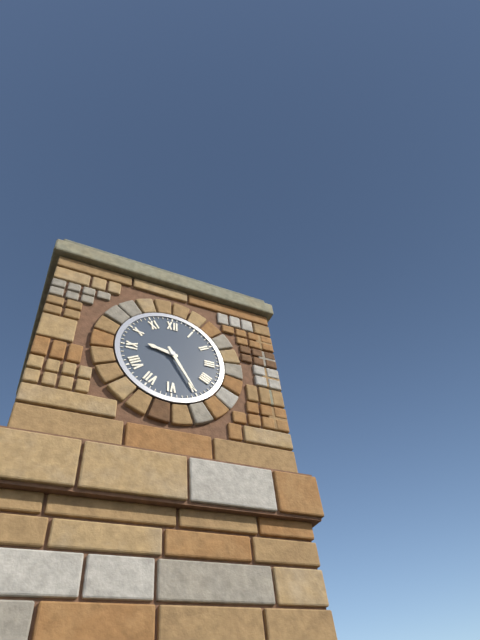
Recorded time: 9:25
